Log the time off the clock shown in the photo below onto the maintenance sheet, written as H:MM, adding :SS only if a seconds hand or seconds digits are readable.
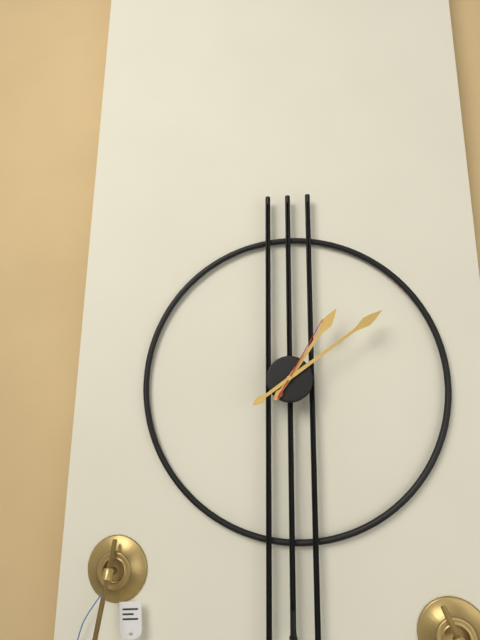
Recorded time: 1:09:05
